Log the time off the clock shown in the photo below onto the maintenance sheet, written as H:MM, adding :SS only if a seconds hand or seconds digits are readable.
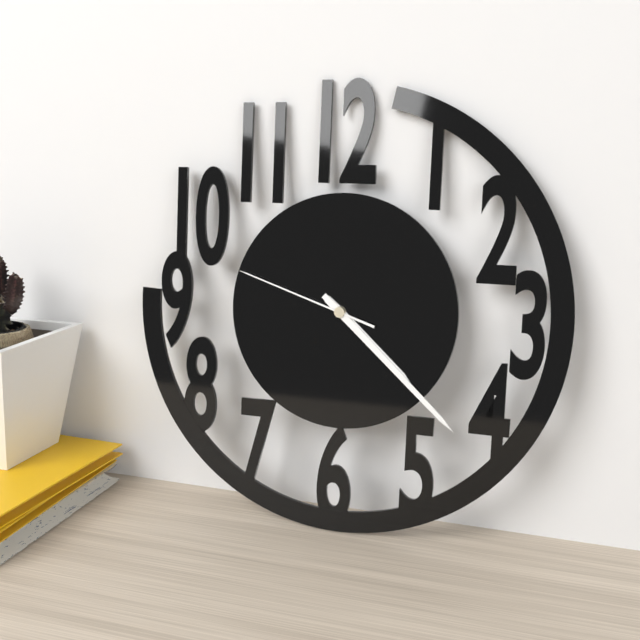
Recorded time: 4:22:48
